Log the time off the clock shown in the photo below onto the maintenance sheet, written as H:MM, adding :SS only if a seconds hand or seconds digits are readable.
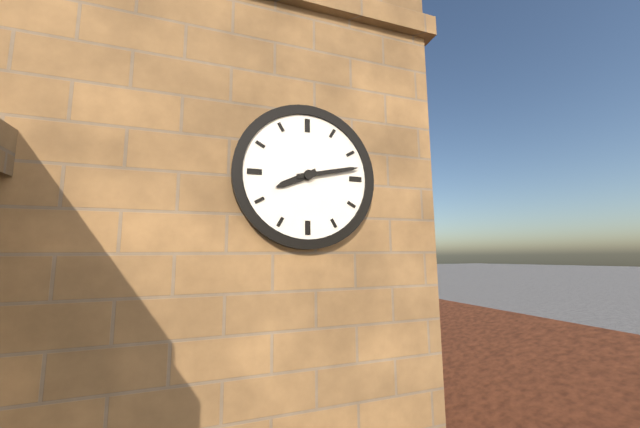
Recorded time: 8:13
